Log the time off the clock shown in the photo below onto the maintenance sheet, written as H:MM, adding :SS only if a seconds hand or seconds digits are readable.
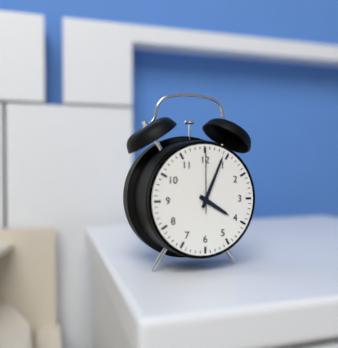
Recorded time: 4:04:00
